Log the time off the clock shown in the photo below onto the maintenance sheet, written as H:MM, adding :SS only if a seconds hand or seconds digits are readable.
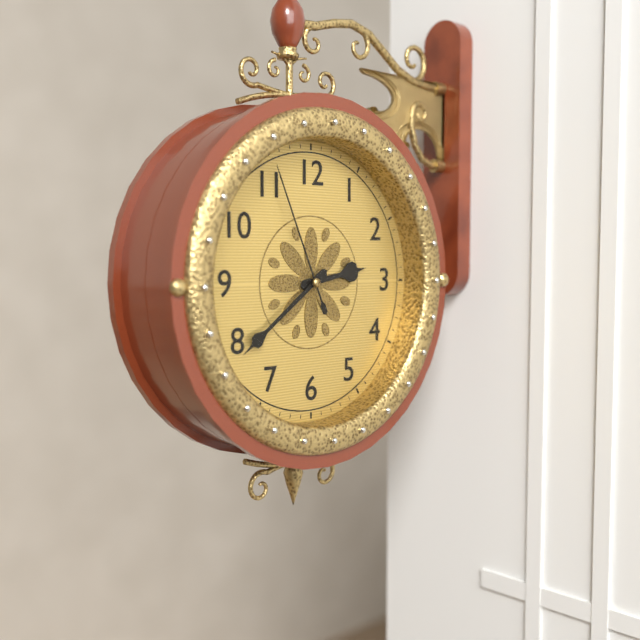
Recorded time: 2:39:56
